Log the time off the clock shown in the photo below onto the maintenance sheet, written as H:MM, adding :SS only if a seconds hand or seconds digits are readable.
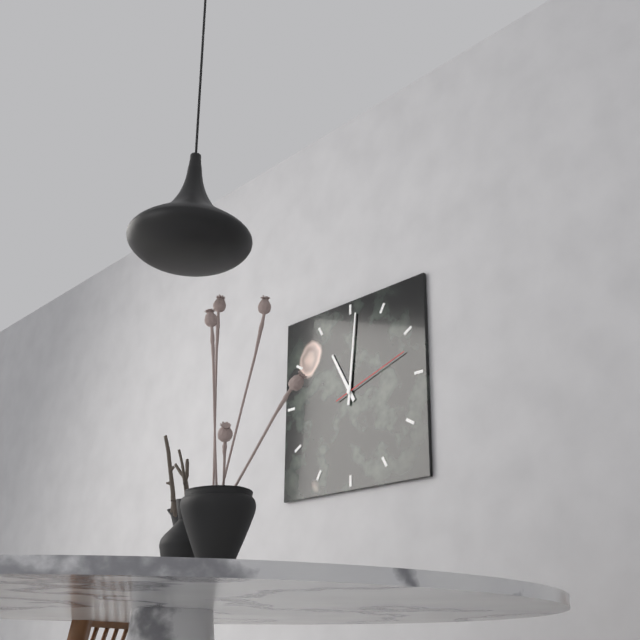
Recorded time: 11:01:12
